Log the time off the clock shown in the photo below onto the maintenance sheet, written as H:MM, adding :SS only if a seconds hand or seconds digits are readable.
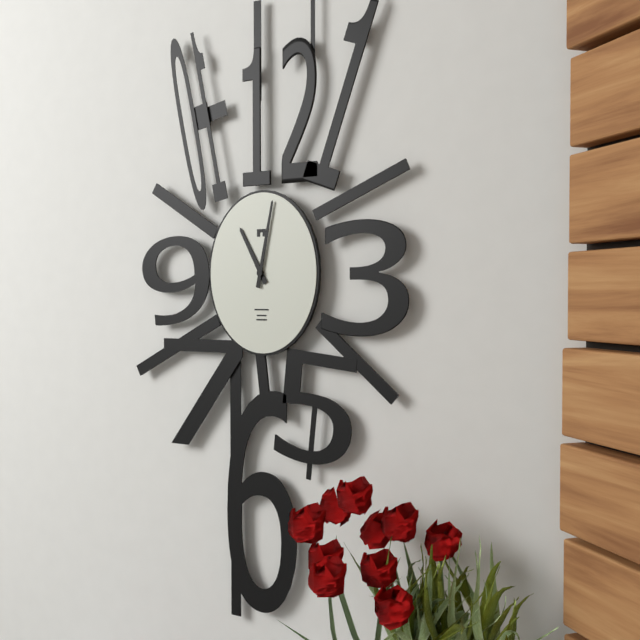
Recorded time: 11:02
